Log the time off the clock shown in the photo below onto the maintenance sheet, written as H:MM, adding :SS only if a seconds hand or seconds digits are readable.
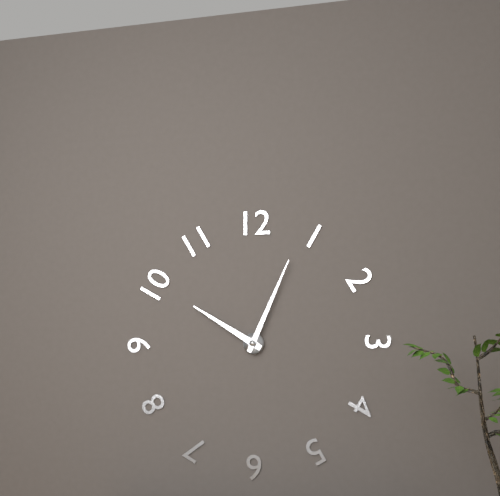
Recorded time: 10:04
